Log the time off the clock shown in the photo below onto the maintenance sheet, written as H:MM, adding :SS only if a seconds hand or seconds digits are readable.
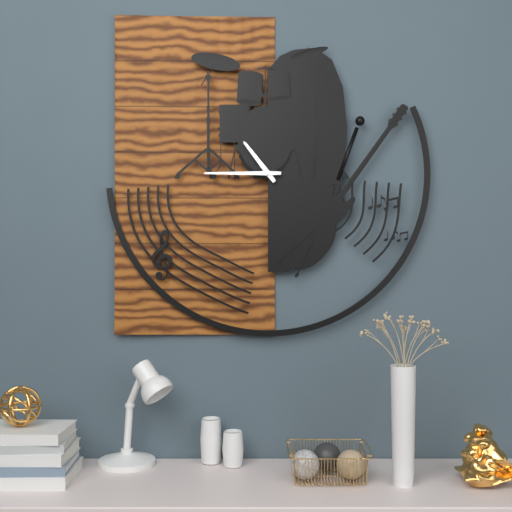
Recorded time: 10:45
